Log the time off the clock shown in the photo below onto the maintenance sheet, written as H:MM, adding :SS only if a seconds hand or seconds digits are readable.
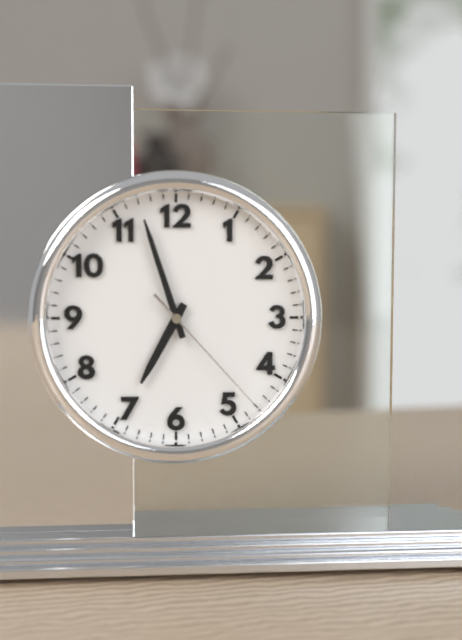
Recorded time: 6:57:23
